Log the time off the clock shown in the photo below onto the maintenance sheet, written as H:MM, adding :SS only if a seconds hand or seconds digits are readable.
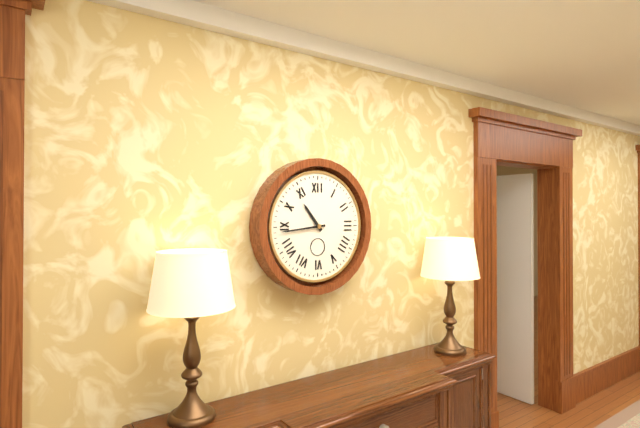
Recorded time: 10:44
